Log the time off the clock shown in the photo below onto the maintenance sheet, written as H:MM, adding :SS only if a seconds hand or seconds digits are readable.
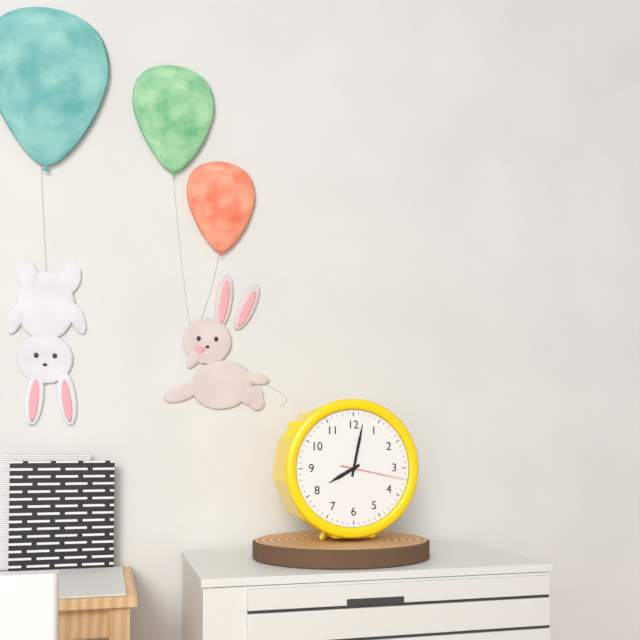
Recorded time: 8:02:17
